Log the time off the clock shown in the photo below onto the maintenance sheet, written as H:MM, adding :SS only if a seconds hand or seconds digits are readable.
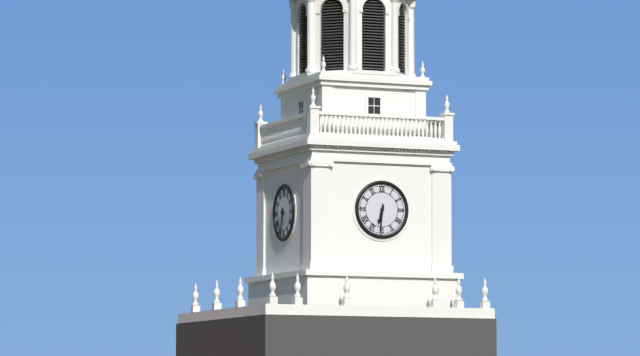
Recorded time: 6:31
